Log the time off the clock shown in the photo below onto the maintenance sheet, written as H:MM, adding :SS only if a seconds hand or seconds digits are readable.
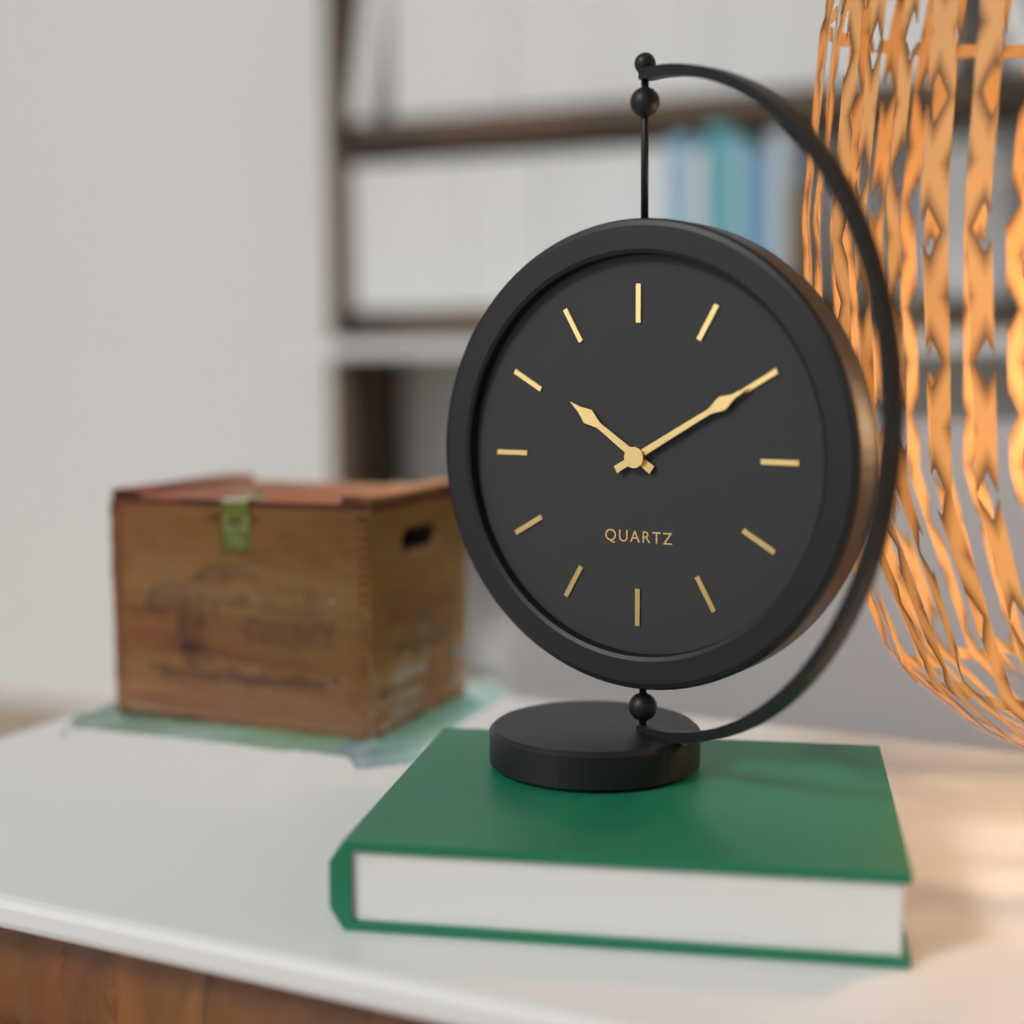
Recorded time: 10:10
